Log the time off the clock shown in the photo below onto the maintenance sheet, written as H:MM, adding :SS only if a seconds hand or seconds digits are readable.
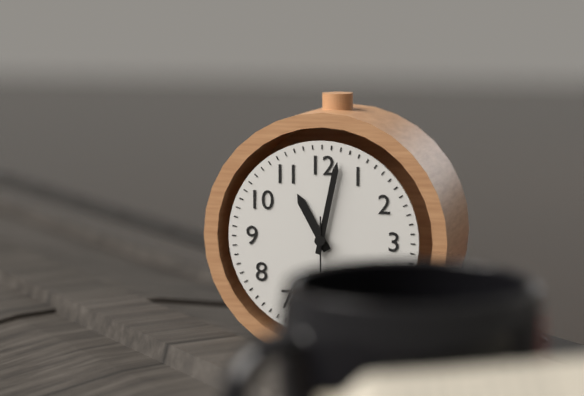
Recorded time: 11:02
